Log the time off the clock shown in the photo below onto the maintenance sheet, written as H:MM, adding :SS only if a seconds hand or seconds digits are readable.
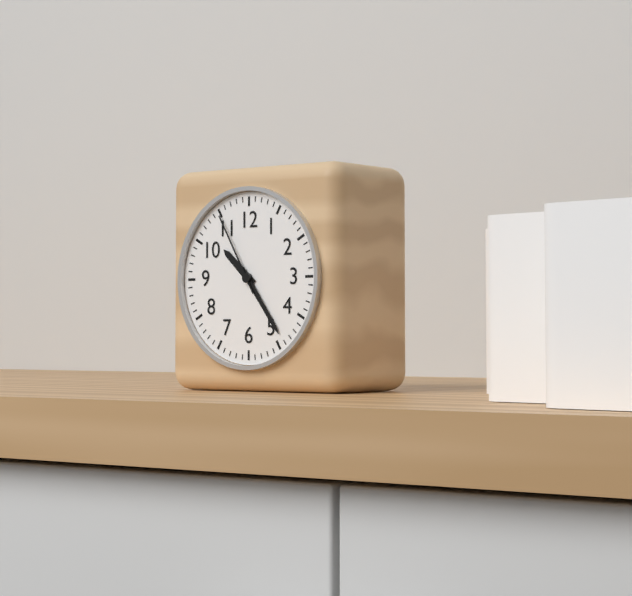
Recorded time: 10:24:55
